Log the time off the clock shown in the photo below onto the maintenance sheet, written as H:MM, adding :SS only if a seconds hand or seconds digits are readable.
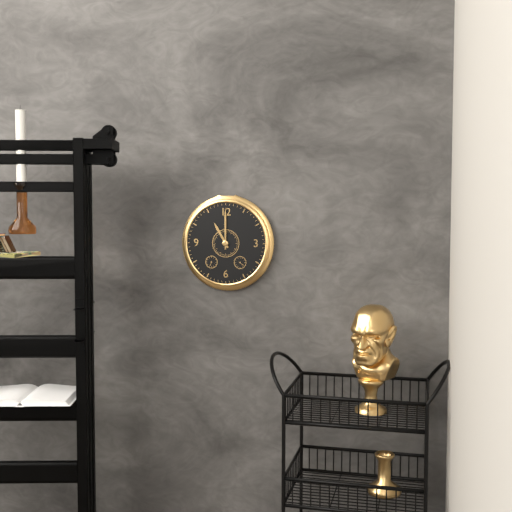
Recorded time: 11:00
